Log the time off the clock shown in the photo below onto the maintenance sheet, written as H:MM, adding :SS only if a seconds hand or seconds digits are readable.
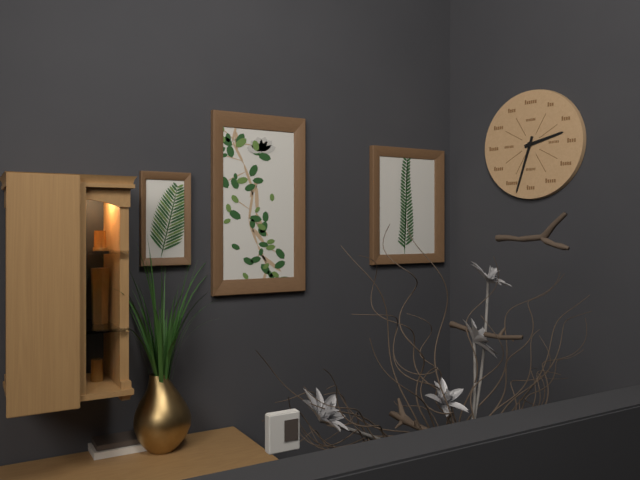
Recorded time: 2:33
